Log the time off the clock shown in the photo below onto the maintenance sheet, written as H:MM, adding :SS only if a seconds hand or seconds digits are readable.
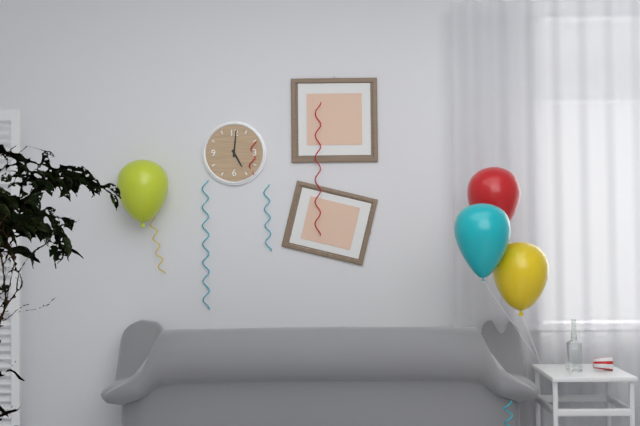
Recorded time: 5:01
